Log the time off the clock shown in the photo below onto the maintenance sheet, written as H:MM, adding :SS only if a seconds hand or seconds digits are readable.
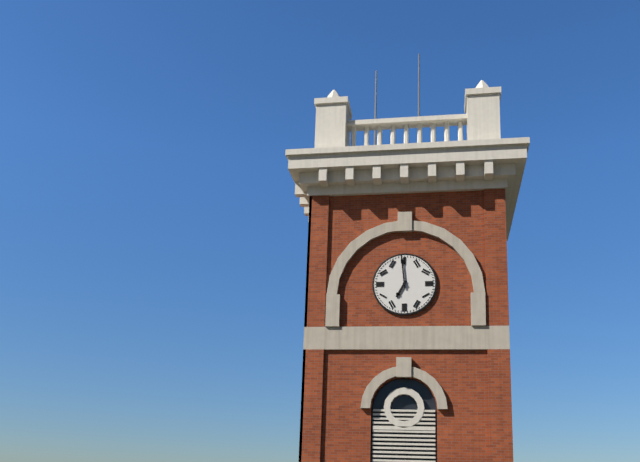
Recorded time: 6:59
